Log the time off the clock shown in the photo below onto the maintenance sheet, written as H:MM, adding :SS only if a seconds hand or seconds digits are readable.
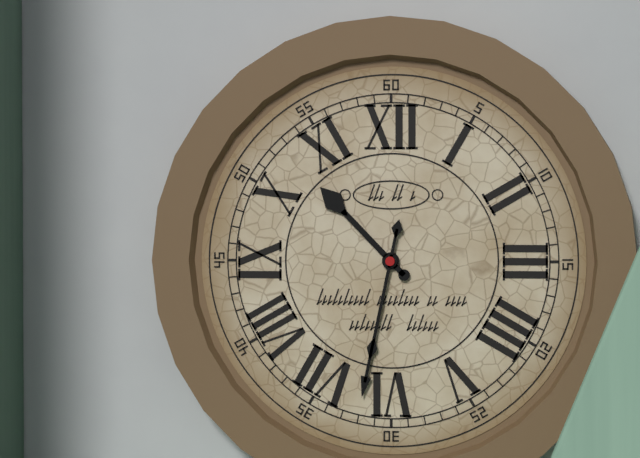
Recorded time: 10:32
